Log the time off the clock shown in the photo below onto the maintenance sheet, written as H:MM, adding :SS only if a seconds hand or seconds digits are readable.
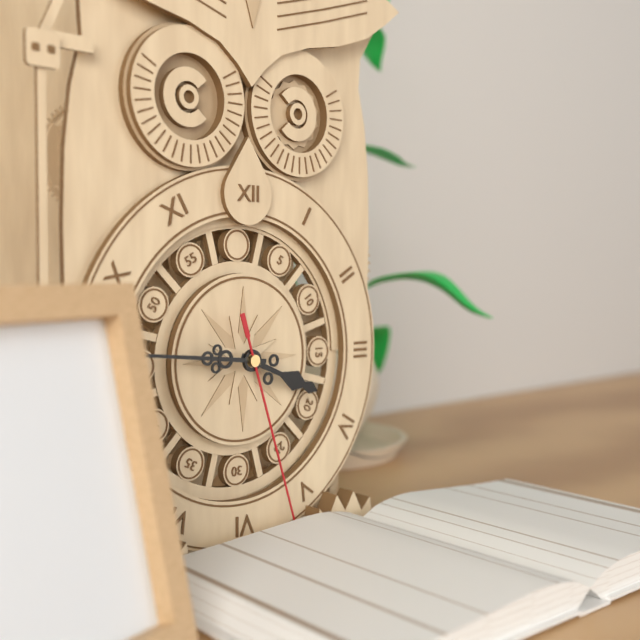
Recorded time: 3:46:27
